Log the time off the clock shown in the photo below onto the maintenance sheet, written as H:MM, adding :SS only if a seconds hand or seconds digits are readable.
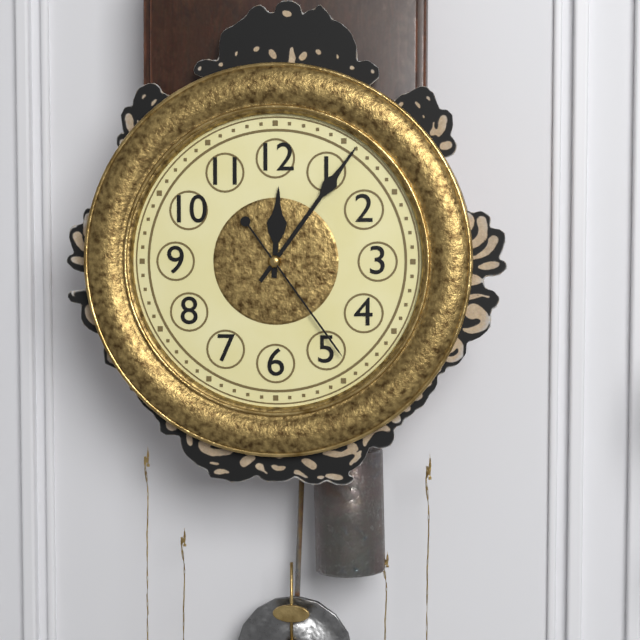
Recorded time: 12:06:24
